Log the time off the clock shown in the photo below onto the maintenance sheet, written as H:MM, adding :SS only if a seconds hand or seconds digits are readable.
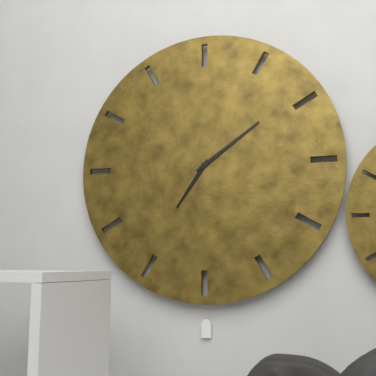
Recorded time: 7:09
